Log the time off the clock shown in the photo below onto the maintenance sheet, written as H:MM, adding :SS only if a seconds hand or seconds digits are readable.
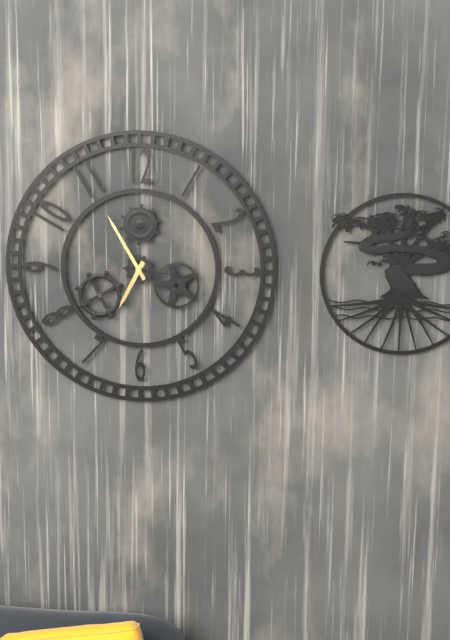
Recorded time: 6:55:16
